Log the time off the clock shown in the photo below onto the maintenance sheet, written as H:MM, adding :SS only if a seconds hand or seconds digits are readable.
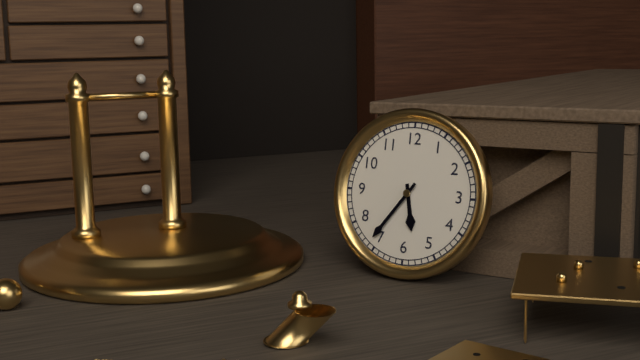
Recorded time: 5:36
